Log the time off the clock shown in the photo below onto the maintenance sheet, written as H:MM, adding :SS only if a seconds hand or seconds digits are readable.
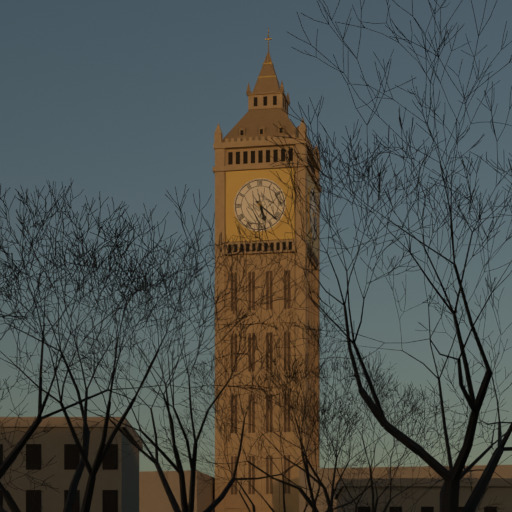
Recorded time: 5:22
